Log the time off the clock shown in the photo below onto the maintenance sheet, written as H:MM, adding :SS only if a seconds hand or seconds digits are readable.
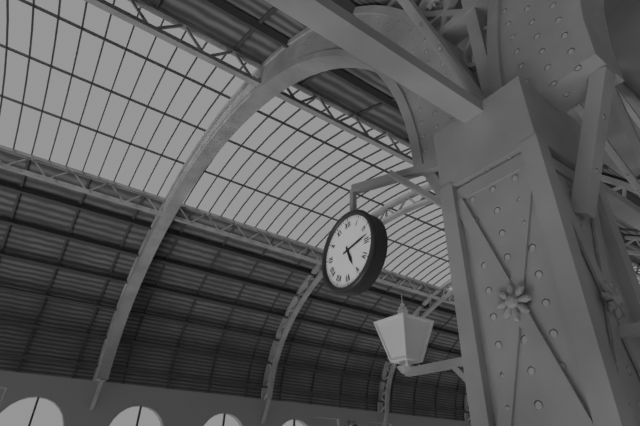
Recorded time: 5:13
